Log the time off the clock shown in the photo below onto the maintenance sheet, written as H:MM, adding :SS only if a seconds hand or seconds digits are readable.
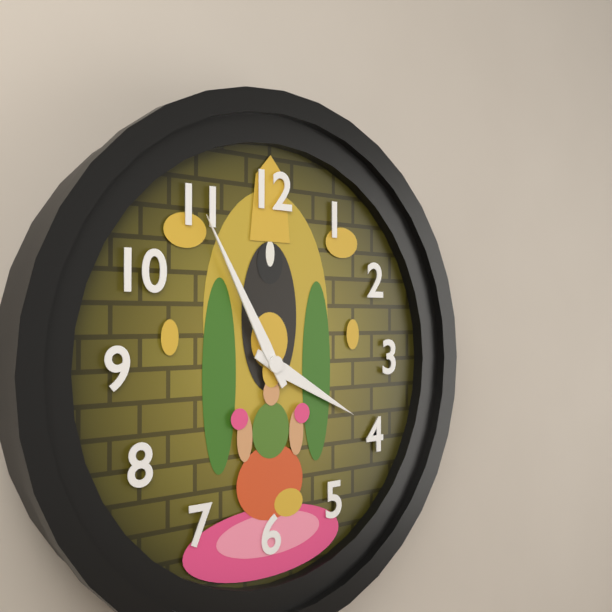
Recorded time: 3:55
